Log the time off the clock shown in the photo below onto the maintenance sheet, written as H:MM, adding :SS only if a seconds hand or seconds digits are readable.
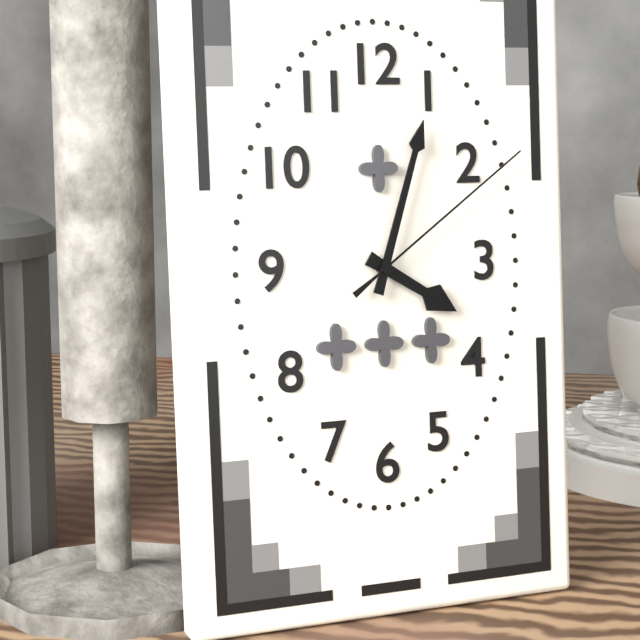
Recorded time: 4:03:09
